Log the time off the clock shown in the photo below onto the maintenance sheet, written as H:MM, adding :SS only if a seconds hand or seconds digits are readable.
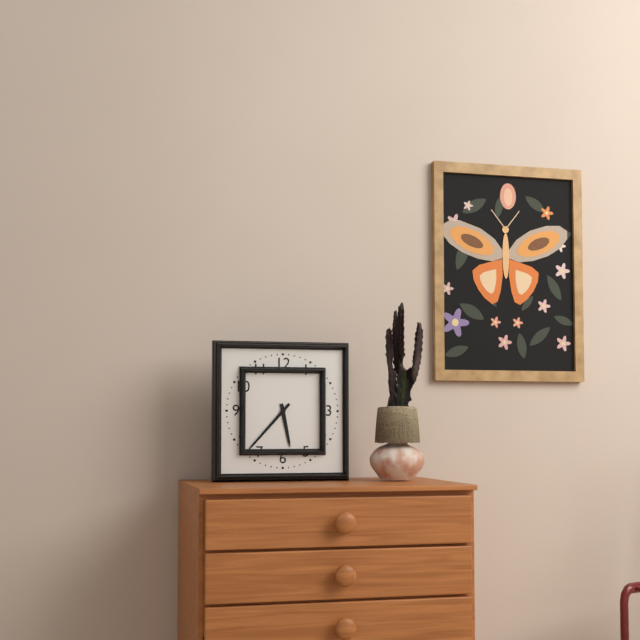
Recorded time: 5:37
